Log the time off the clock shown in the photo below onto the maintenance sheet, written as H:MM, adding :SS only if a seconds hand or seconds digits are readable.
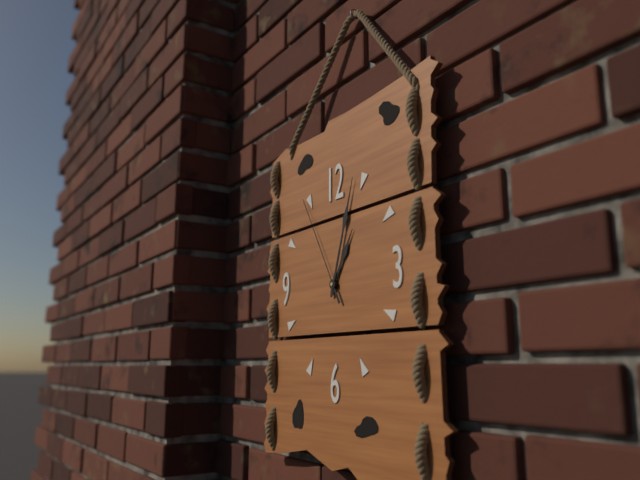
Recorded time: 1:03:55
